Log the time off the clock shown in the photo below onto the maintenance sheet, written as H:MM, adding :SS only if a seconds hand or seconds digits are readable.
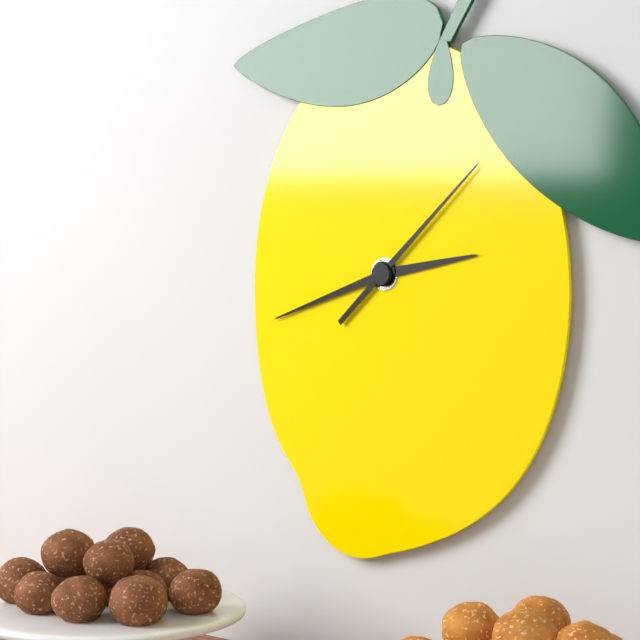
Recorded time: 2:42:08
